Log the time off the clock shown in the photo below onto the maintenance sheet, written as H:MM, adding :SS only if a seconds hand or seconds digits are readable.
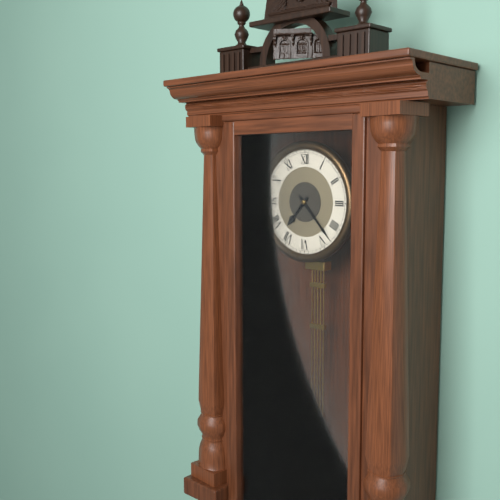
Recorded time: 7:23
